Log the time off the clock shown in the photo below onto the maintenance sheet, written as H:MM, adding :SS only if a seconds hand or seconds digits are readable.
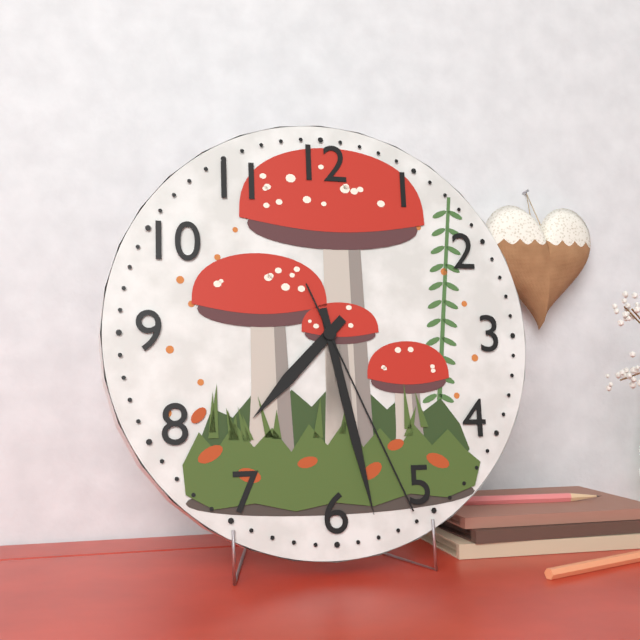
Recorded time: 7:28:26
